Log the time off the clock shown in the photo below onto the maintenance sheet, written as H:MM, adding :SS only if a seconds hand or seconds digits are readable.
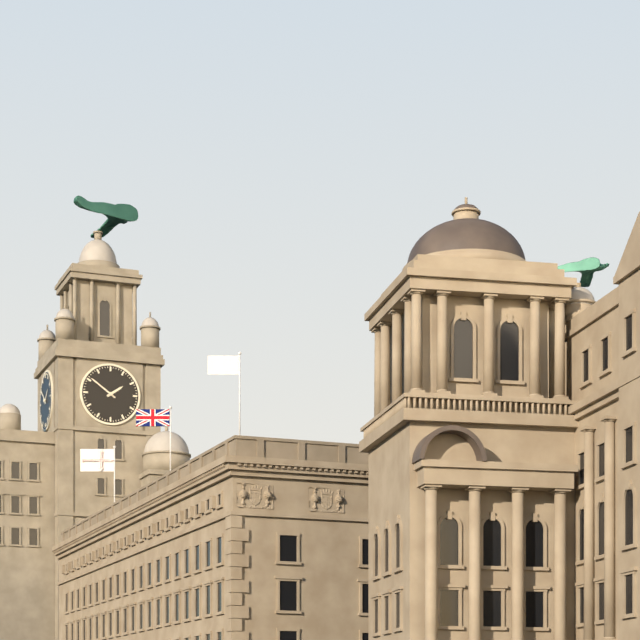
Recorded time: 1:51
